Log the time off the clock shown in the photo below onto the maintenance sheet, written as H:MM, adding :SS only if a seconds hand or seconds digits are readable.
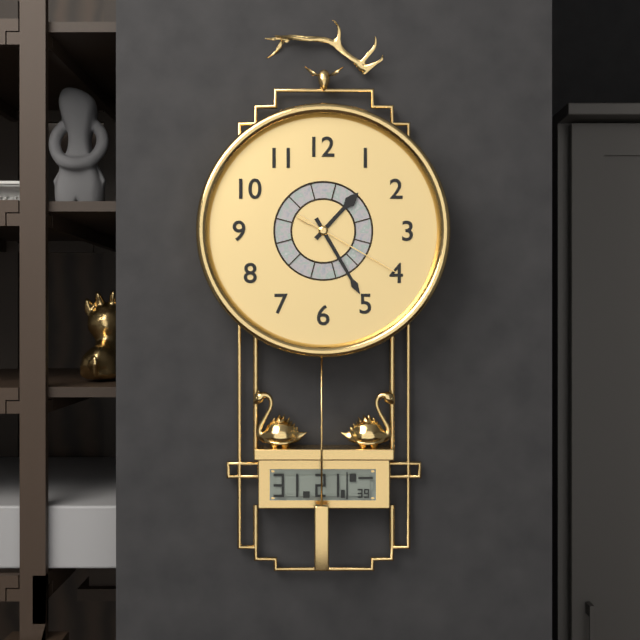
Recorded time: 1:25:20
